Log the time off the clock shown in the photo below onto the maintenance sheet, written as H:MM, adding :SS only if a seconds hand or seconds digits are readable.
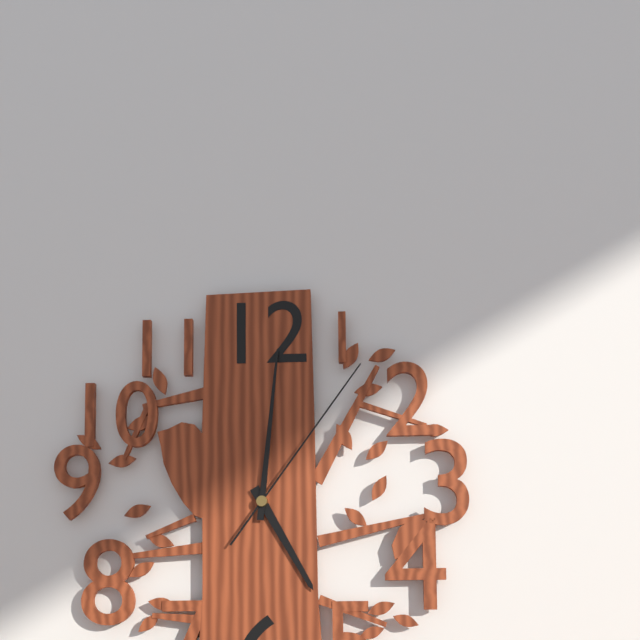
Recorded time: 5:01:06
